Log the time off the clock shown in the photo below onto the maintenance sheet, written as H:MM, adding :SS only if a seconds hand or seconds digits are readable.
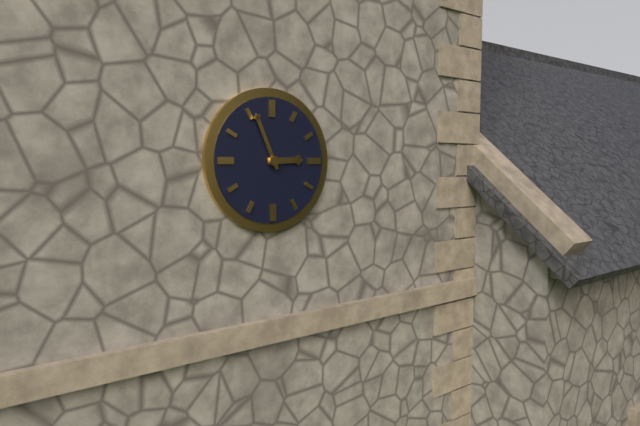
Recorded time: 2:56
